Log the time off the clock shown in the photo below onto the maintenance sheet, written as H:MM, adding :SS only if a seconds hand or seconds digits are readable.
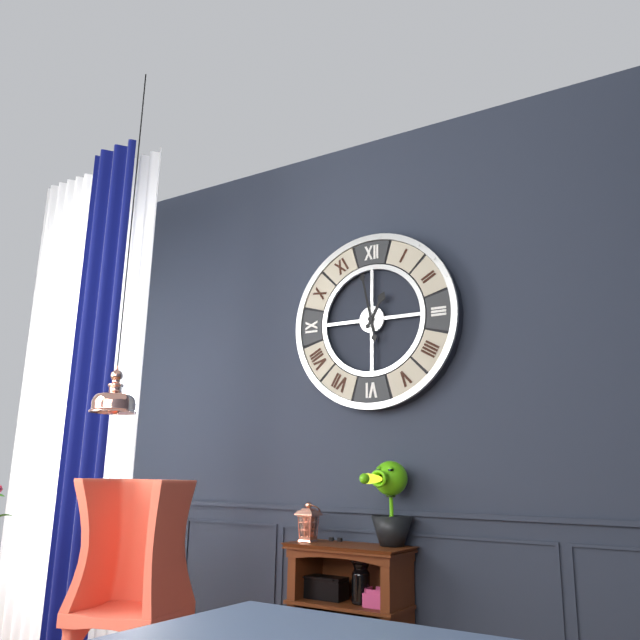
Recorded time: 12:58
